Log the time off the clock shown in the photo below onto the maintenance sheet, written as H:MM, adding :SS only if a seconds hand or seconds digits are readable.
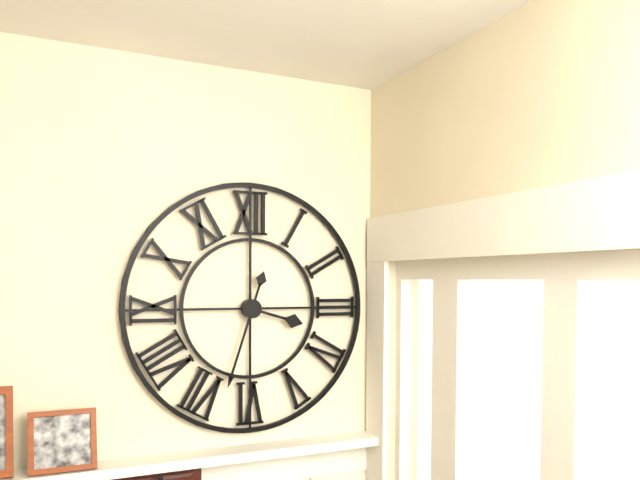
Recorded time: 3:33
